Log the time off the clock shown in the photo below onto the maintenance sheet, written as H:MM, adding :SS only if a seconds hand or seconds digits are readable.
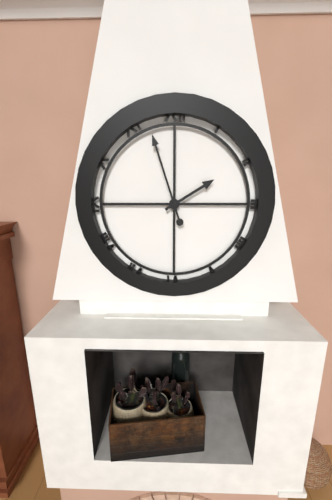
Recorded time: 1:57
